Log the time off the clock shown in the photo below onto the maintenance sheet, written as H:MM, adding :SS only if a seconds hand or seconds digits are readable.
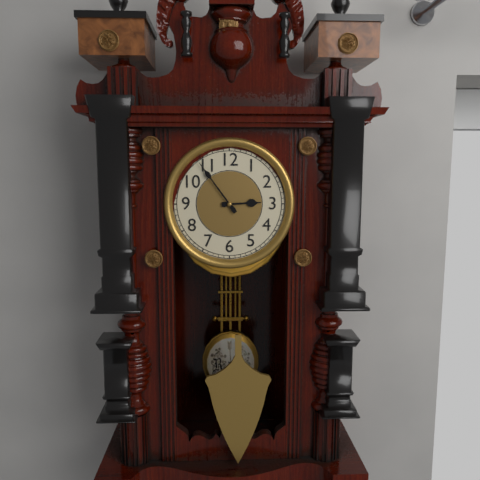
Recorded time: 2:54
